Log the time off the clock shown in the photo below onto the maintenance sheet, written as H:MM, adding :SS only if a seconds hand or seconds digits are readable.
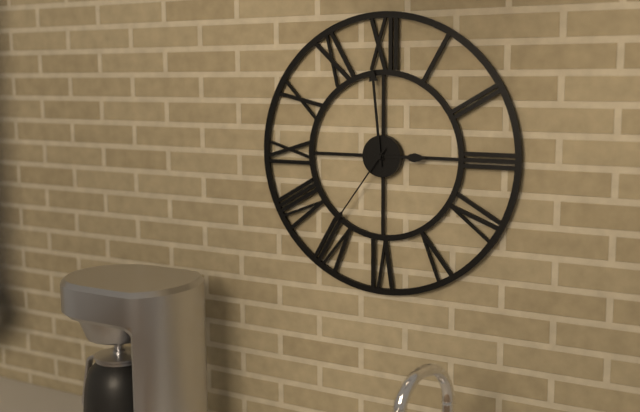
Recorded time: 2:59:36
